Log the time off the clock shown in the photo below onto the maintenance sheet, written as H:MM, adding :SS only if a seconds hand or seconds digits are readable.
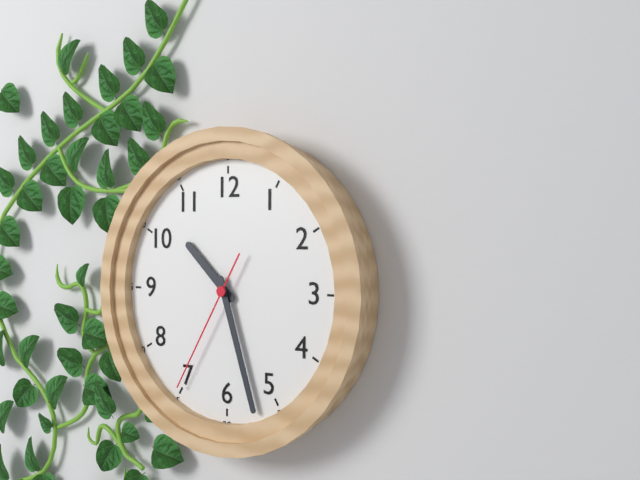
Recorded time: 10:27:35
